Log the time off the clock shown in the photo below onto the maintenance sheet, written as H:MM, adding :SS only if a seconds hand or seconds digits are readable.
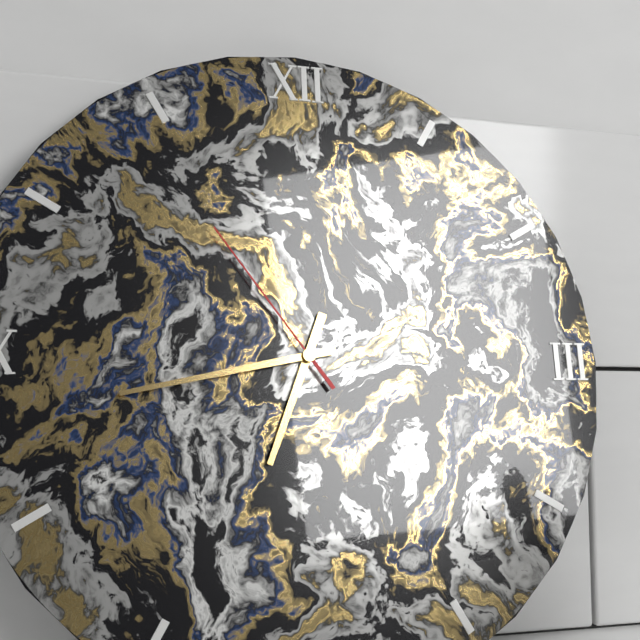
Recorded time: 6:43:54
